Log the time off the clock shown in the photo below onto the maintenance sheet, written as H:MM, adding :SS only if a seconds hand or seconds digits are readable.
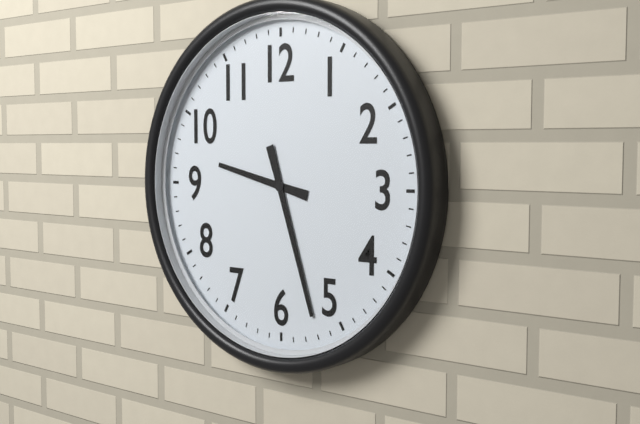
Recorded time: 9:27
